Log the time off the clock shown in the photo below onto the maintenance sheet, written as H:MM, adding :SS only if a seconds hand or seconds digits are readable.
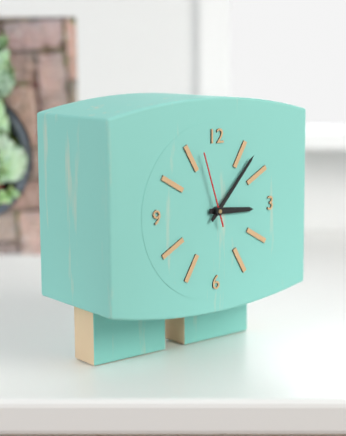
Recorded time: 3:07:57
